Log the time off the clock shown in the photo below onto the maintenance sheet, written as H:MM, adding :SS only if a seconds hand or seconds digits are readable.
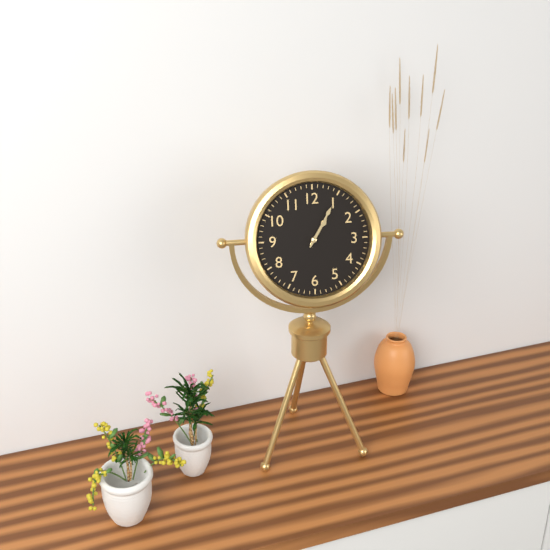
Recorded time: 1:05
